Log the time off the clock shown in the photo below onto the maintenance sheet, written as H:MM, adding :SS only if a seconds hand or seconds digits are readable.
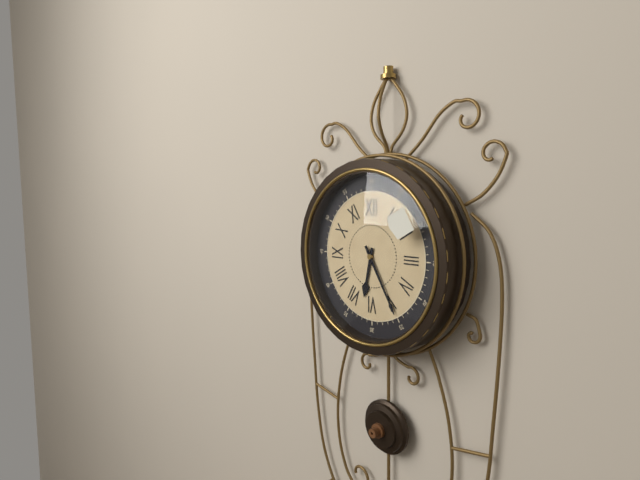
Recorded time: 6:25
